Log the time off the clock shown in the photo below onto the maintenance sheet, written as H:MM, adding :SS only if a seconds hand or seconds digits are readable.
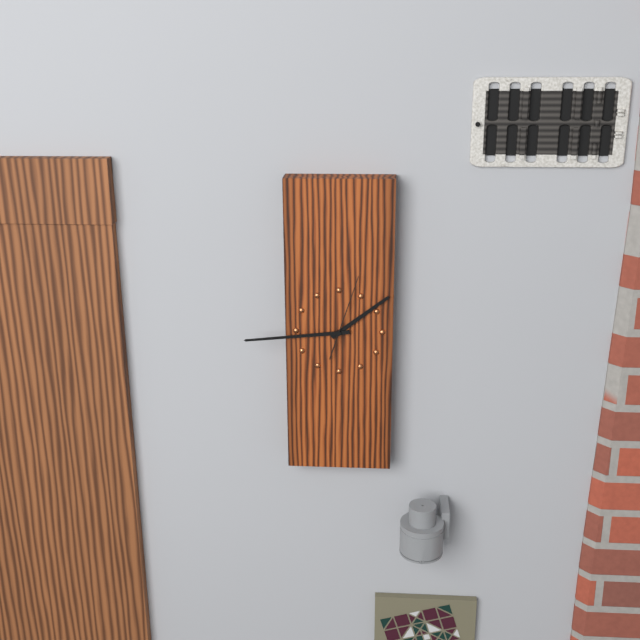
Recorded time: 1:44:03
